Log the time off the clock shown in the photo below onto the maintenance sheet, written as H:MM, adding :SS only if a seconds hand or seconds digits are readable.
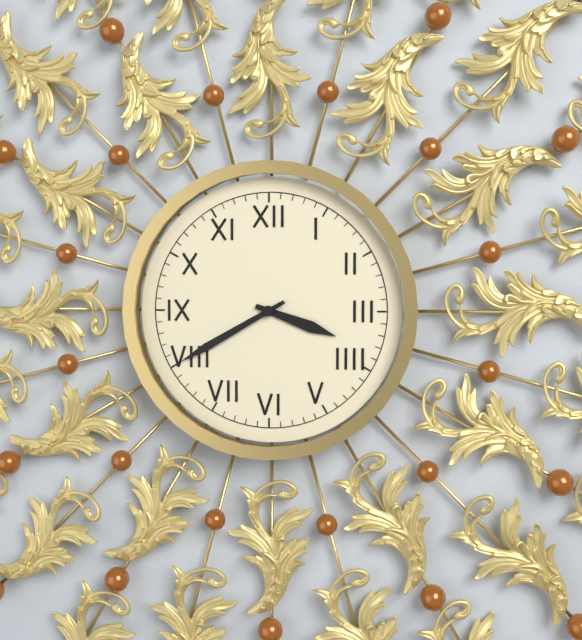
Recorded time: 3:40
